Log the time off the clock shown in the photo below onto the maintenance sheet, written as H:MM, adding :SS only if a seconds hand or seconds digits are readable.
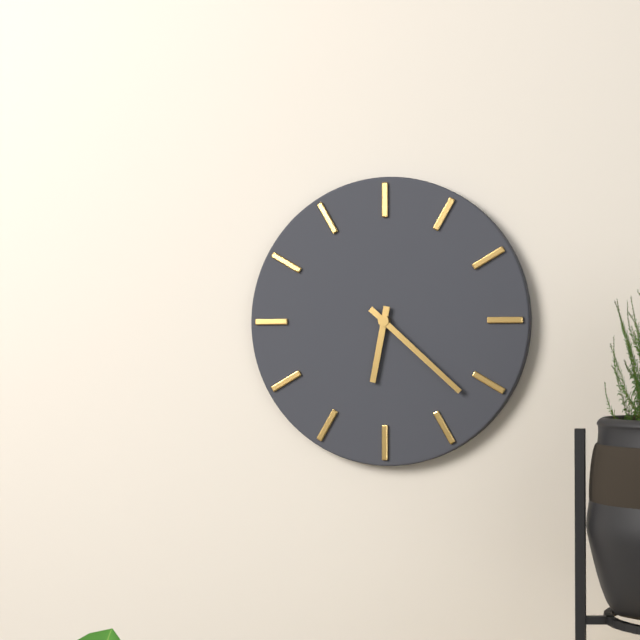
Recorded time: 6:22
